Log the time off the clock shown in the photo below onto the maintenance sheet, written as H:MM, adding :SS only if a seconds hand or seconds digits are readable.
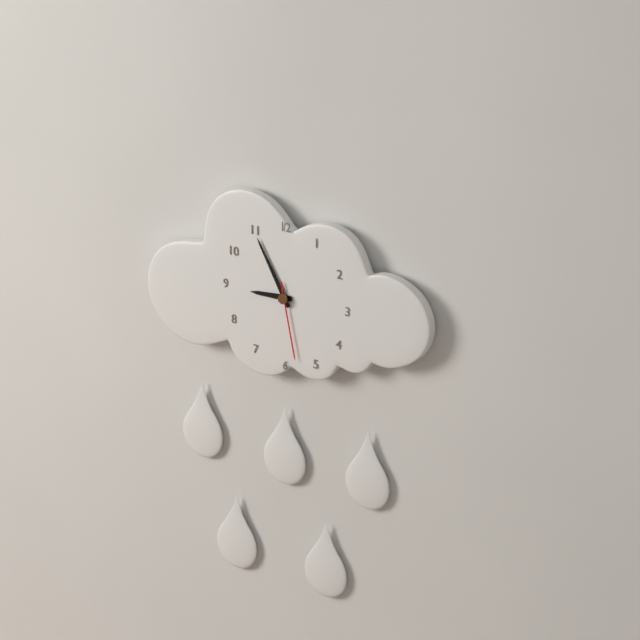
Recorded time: 8:55:28
